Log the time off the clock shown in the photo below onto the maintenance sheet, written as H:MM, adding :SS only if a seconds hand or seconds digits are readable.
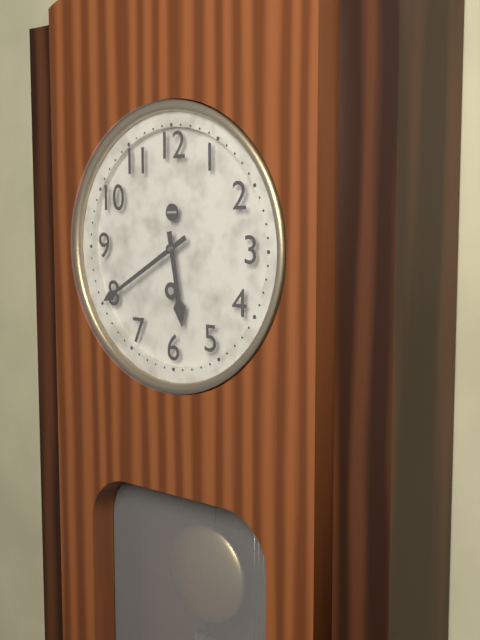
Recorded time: 5:40
